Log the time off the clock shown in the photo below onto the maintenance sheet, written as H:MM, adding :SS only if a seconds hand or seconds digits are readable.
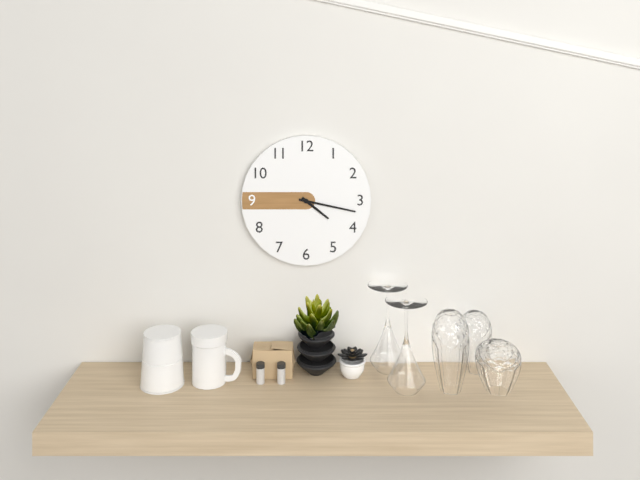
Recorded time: 4:17
